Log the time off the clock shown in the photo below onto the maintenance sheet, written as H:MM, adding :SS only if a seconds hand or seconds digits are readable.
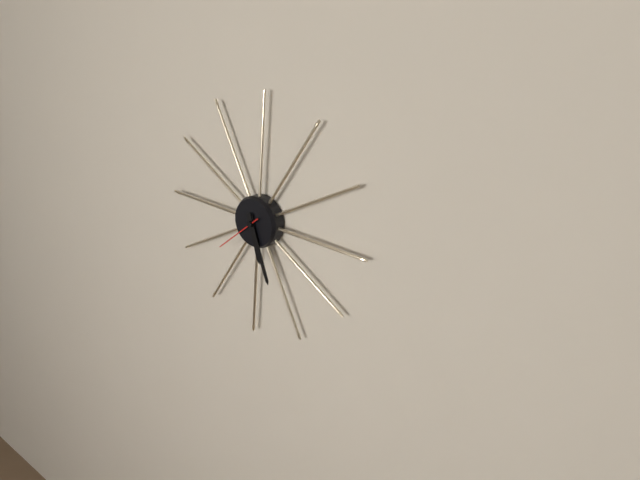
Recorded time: 5:26:38
